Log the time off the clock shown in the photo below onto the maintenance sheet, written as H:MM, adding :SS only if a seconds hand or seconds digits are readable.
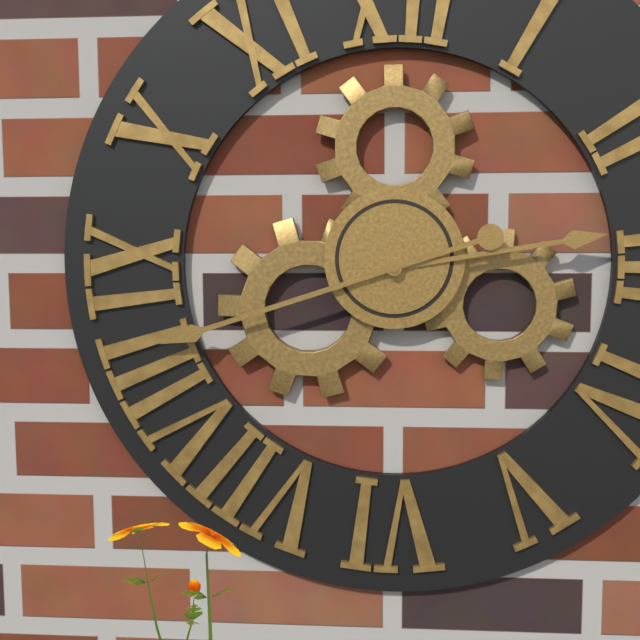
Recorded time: 2:42
